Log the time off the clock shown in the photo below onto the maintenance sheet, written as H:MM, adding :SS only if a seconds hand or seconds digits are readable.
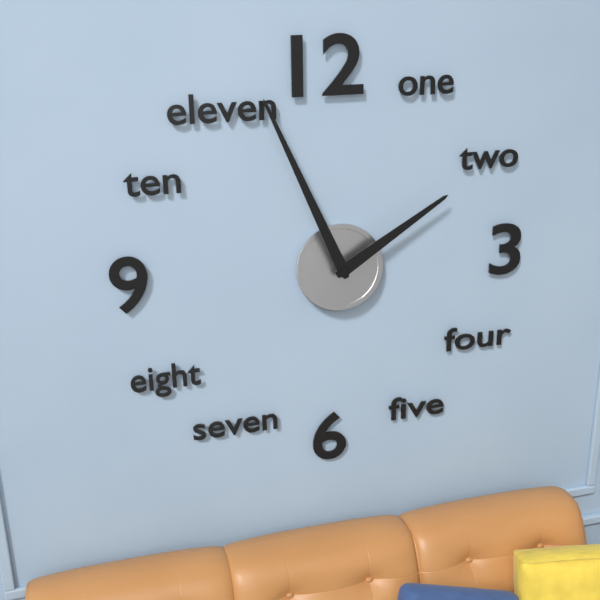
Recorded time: 1:56
